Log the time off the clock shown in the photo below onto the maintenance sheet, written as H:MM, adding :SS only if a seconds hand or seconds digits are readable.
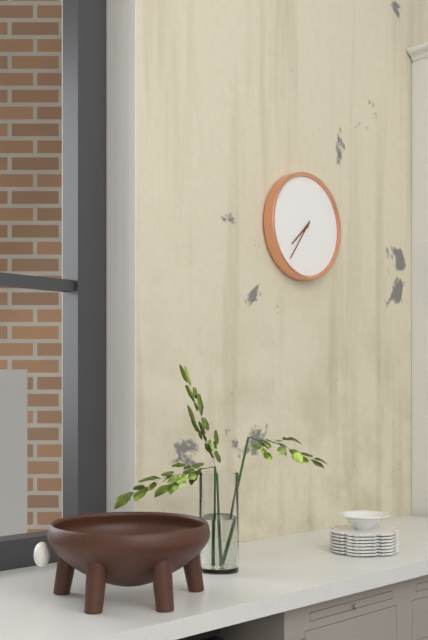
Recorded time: 7:36
